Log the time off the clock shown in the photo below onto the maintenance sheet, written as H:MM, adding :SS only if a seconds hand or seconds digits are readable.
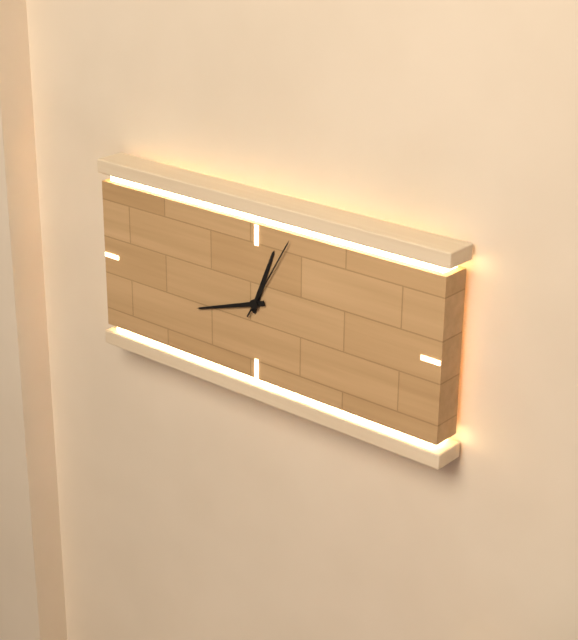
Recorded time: 12:42:05
